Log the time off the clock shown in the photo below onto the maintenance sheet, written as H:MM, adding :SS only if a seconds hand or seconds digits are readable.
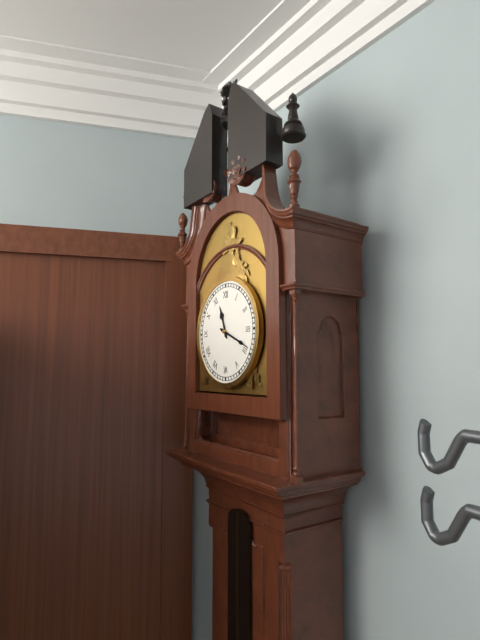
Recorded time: 11:19
